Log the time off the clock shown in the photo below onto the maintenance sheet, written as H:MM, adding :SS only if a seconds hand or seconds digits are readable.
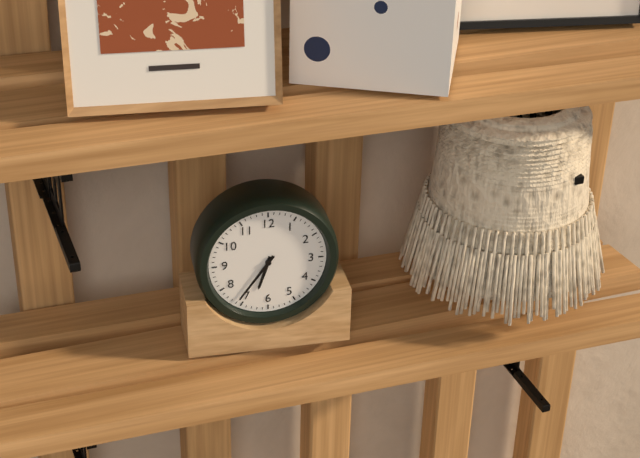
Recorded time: 6:36
